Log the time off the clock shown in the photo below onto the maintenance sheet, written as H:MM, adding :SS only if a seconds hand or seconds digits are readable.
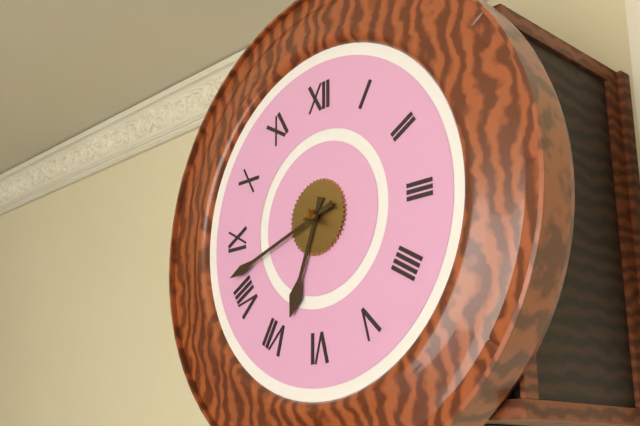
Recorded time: 6:42
